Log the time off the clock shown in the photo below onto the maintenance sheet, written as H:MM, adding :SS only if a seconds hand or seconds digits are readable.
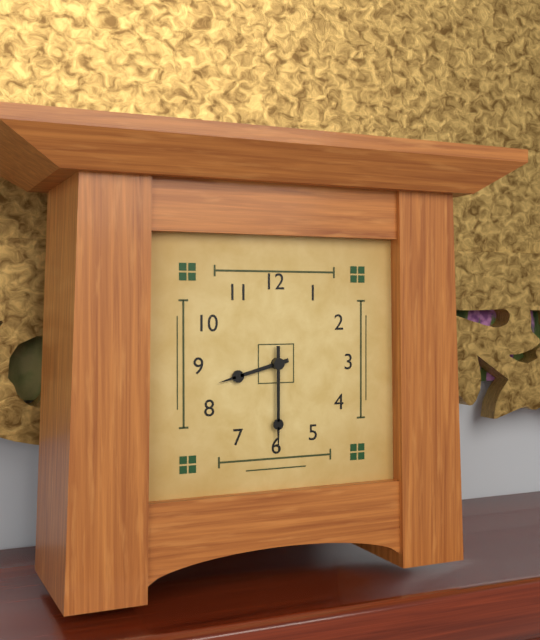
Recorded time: 8:30
